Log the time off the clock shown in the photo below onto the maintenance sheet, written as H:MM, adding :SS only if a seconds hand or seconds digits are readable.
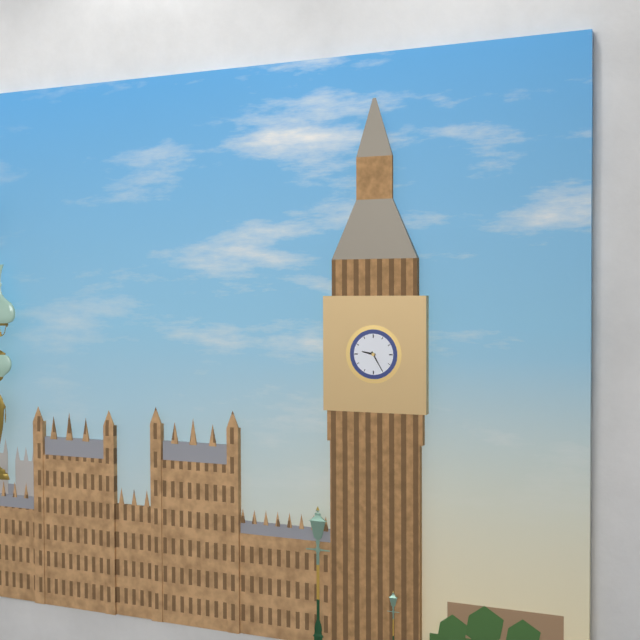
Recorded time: 9:25
